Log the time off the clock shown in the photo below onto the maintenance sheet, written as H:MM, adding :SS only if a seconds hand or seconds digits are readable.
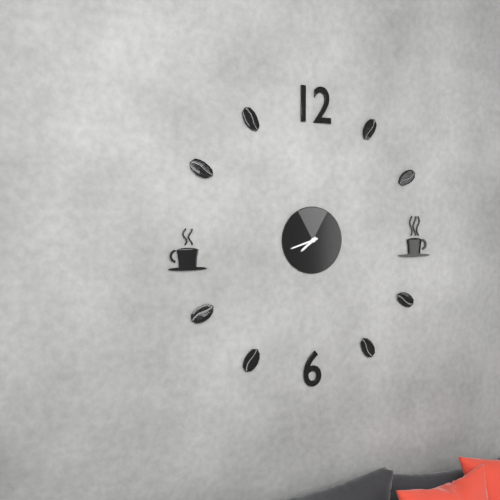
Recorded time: 7:42
